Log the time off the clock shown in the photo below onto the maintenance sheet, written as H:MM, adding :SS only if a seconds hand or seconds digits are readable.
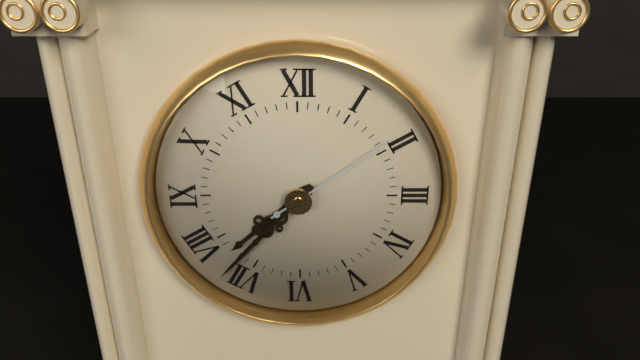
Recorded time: 7:37:09
